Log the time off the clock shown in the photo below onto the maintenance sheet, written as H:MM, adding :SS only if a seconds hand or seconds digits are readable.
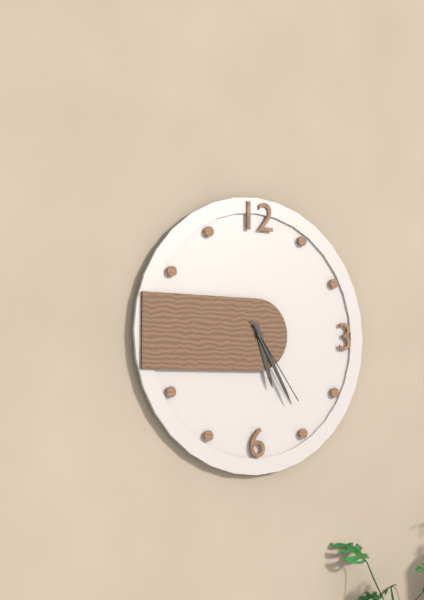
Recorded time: 5:25:24
